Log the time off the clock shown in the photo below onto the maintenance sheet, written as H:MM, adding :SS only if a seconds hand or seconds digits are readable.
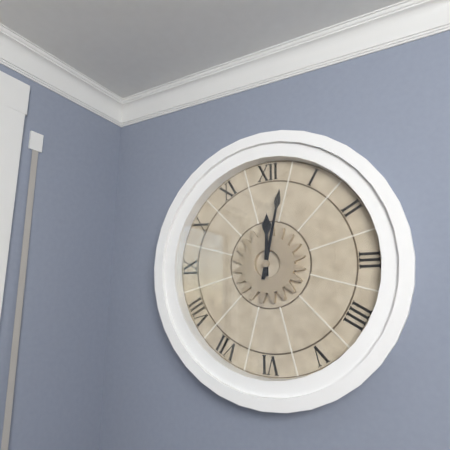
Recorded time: 12:02
